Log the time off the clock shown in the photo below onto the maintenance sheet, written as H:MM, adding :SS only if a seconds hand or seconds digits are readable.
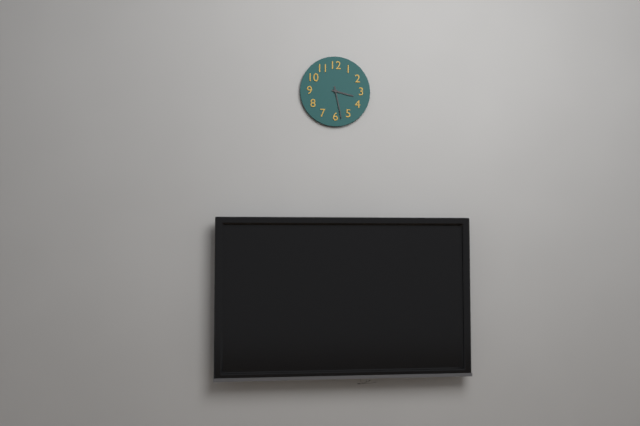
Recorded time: 3:28
